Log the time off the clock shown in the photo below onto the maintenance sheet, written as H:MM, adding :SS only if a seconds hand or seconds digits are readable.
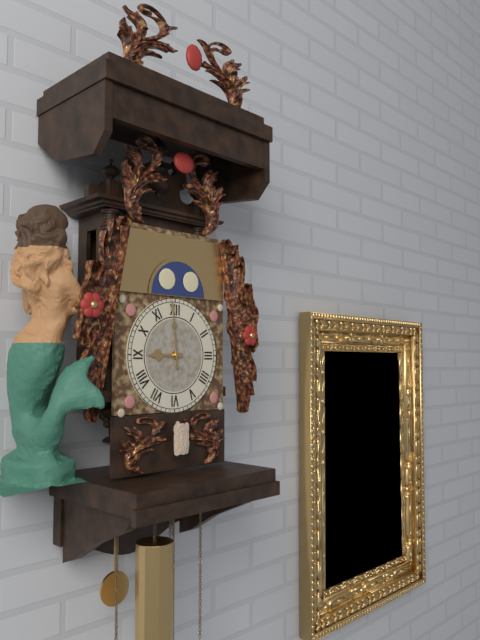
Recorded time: 8:59
